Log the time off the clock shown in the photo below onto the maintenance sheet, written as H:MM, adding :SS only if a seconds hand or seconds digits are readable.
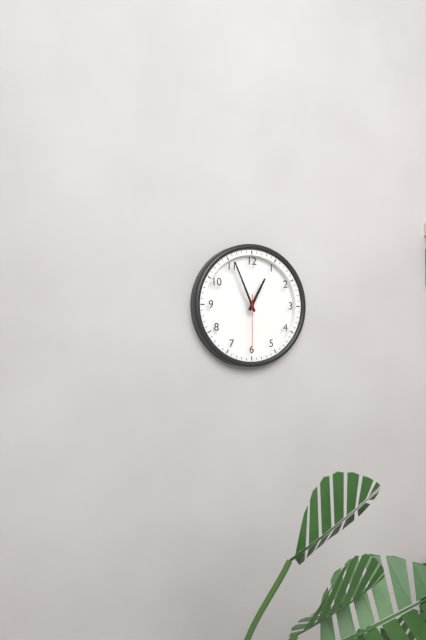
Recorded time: 12:56:30
